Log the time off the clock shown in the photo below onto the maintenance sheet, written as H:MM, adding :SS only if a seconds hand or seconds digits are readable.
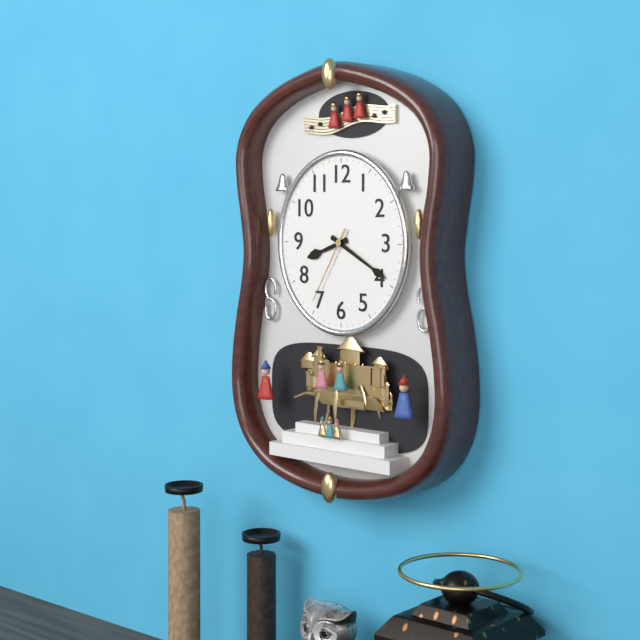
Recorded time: 8:20:35
